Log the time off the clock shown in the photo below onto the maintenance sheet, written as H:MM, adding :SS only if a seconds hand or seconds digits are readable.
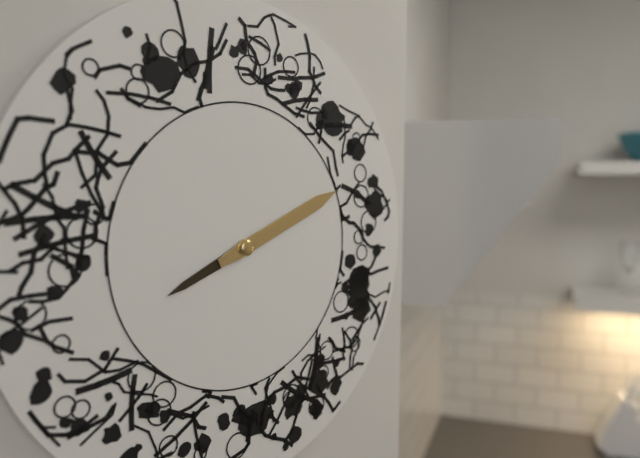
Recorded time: 8:11
